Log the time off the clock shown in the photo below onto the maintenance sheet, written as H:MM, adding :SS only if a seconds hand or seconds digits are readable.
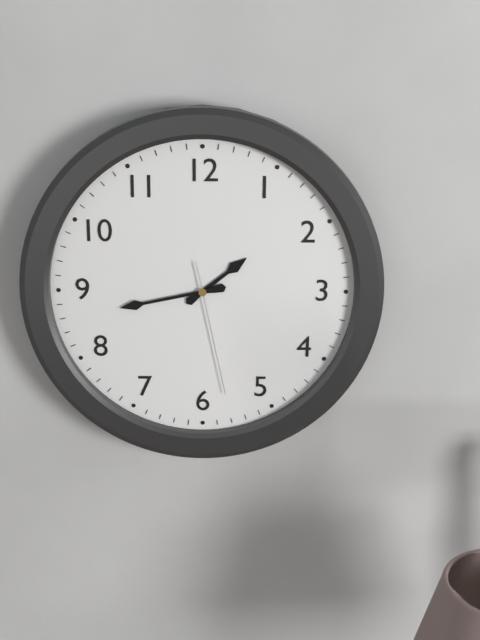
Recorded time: 1:43:28
